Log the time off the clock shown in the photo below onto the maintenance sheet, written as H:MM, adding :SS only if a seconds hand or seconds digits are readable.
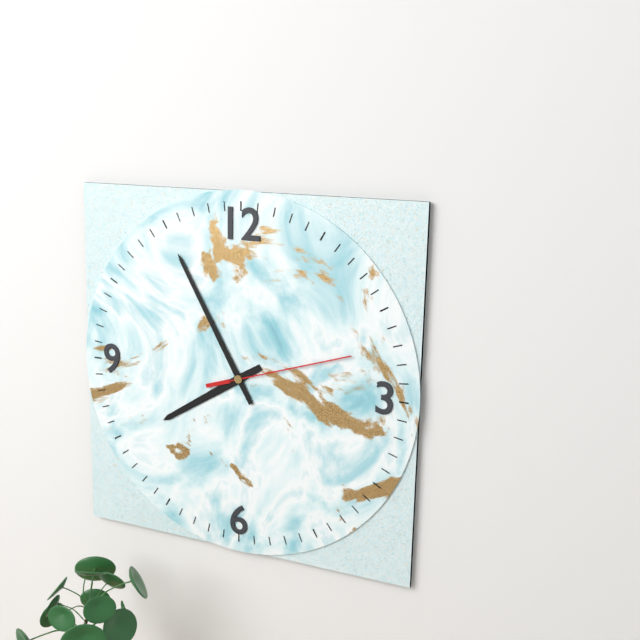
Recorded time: 7:55:12
